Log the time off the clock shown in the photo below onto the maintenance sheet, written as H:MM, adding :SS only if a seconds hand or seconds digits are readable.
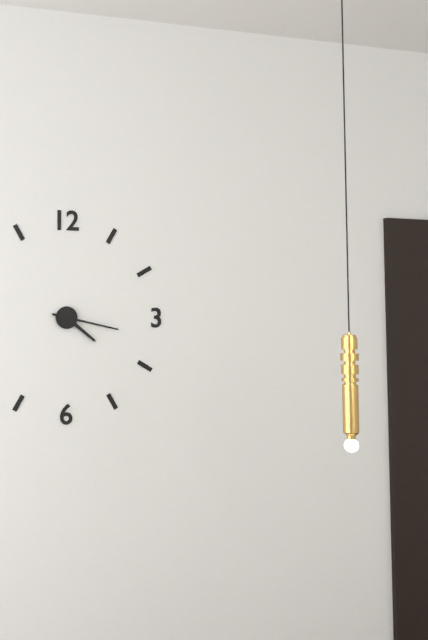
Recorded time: 4:17
